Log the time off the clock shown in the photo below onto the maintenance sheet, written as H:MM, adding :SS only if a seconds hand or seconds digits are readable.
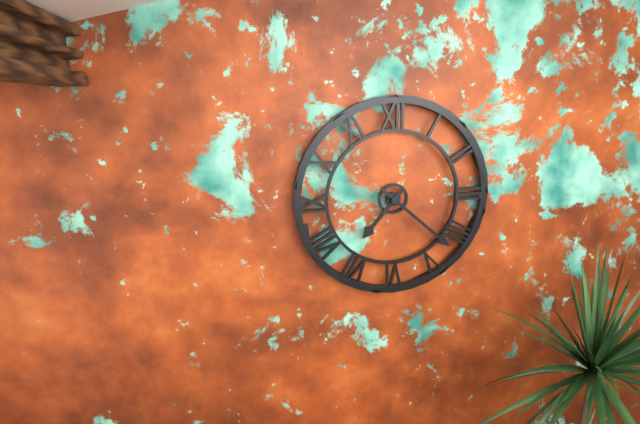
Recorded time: 7:22
